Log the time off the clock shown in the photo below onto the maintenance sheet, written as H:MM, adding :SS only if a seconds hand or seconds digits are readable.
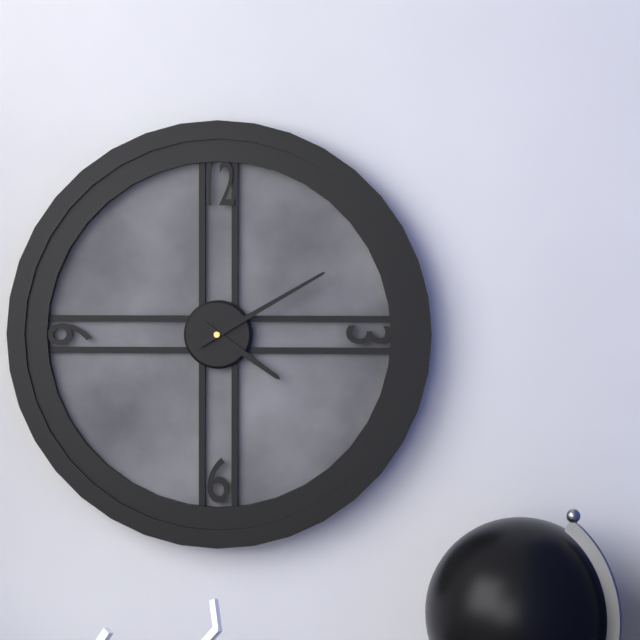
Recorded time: 4:10
